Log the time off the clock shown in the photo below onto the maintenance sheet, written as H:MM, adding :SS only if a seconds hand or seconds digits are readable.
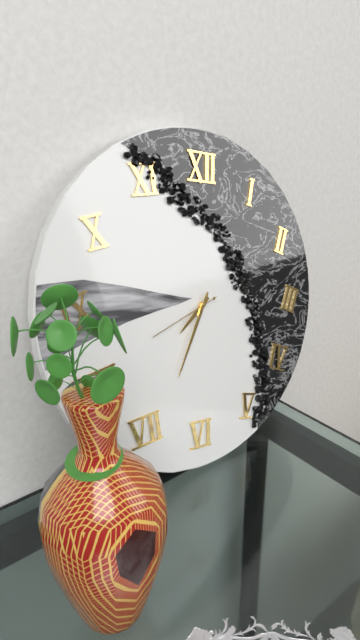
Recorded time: 7:34:41
